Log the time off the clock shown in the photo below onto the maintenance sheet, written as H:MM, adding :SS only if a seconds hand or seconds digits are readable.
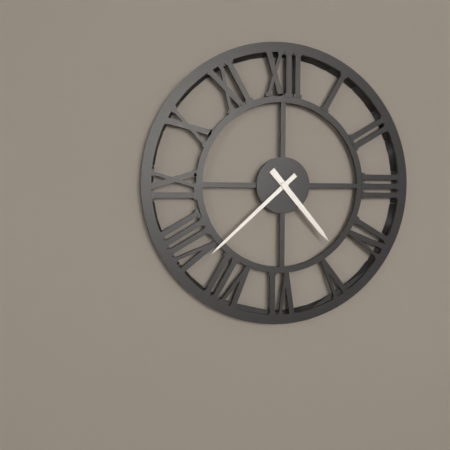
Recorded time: 4:38
